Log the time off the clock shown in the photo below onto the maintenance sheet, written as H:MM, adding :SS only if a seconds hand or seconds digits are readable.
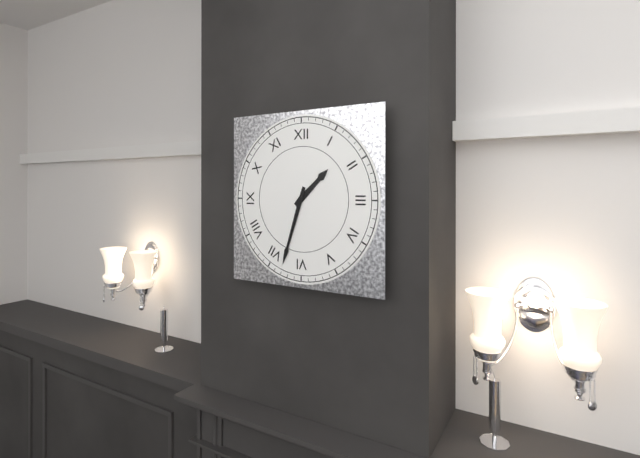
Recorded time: 1:33
